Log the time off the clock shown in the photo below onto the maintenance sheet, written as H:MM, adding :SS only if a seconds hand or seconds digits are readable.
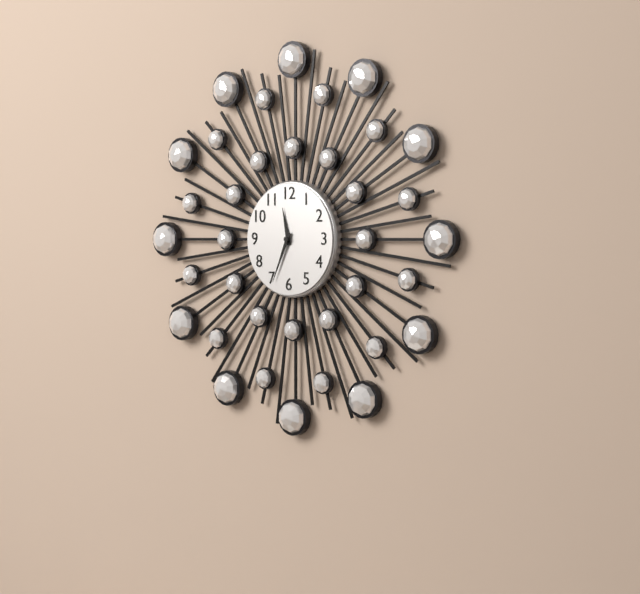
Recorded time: 11:34
